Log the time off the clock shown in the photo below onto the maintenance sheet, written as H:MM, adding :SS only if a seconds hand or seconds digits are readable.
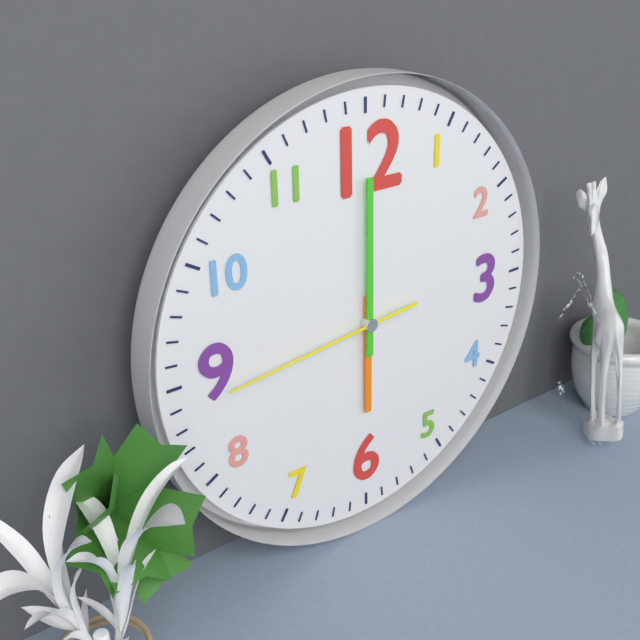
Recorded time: 6:00:44
